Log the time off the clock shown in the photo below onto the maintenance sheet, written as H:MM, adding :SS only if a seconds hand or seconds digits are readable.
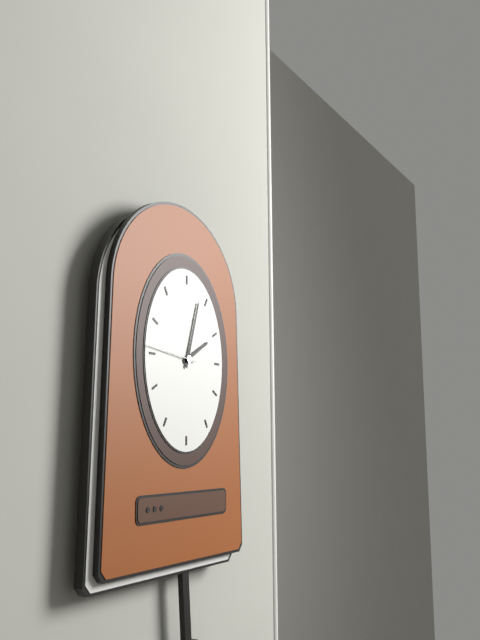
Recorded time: 2:03:46
